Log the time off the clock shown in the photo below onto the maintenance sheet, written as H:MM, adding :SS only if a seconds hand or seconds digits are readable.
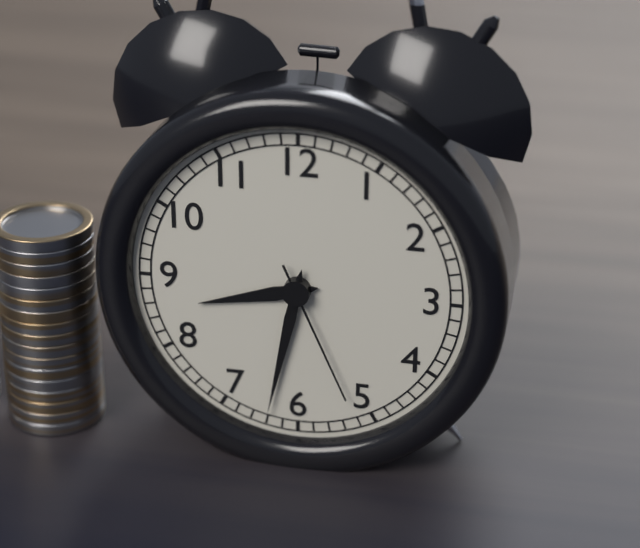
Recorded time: 8:32:26
